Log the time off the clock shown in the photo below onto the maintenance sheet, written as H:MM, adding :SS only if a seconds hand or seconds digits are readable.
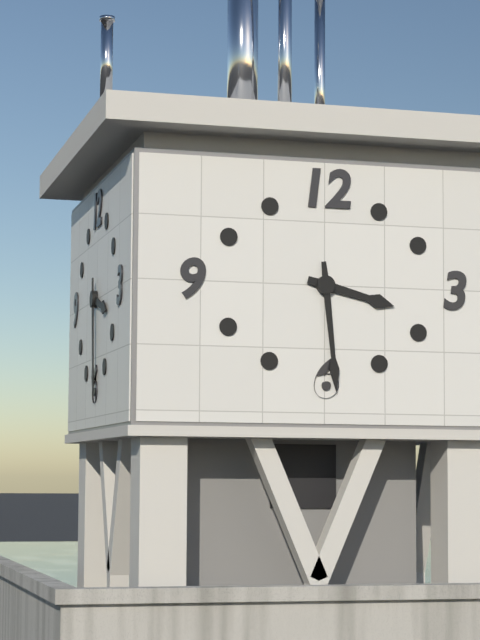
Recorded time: 3:29
